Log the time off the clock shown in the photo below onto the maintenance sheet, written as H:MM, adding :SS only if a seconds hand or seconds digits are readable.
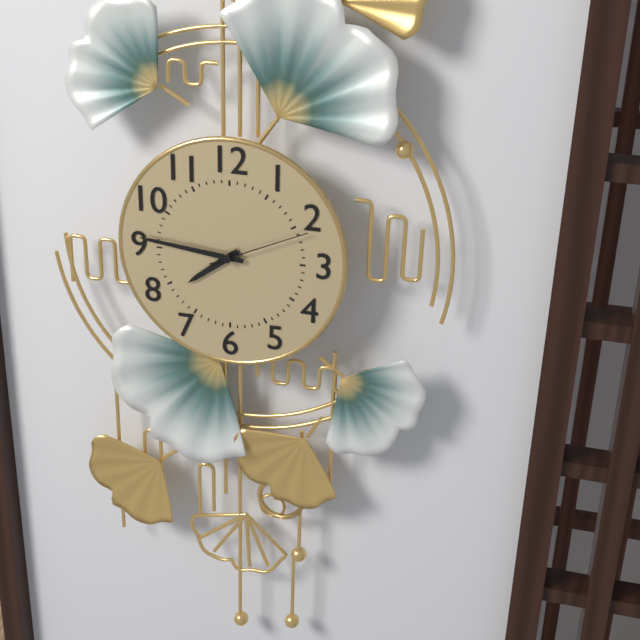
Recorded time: 7:46:11
